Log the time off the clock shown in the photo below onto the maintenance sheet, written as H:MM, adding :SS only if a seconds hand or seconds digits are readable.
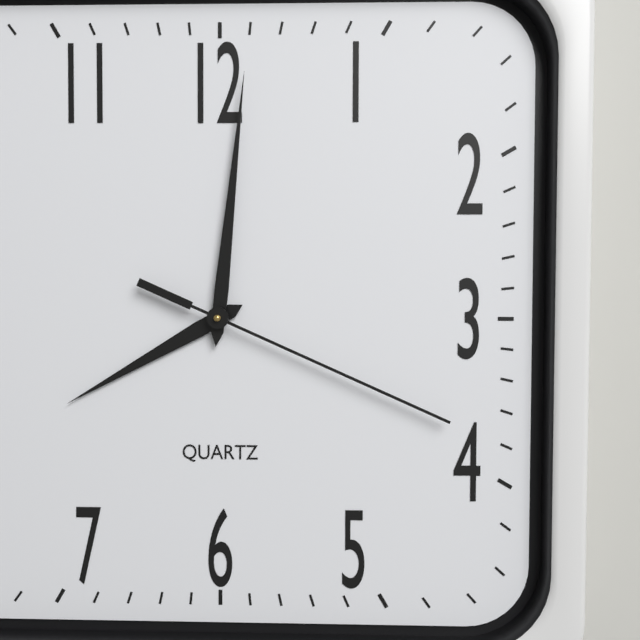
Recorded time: 8:01:19
